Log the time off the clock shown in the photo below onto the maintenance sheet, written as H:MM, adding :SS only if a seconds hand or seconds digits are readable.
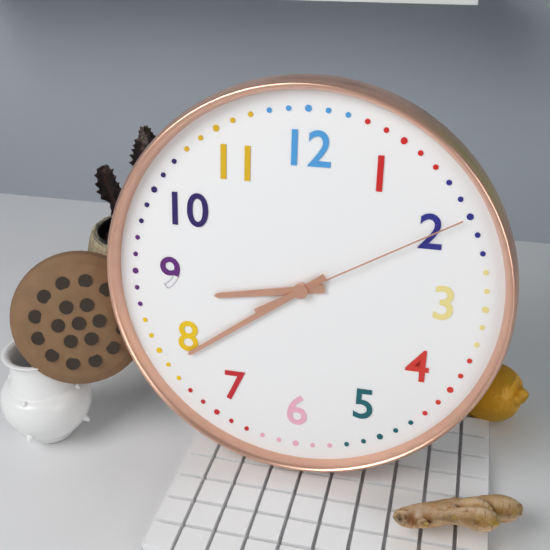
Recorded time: 8:39:10
